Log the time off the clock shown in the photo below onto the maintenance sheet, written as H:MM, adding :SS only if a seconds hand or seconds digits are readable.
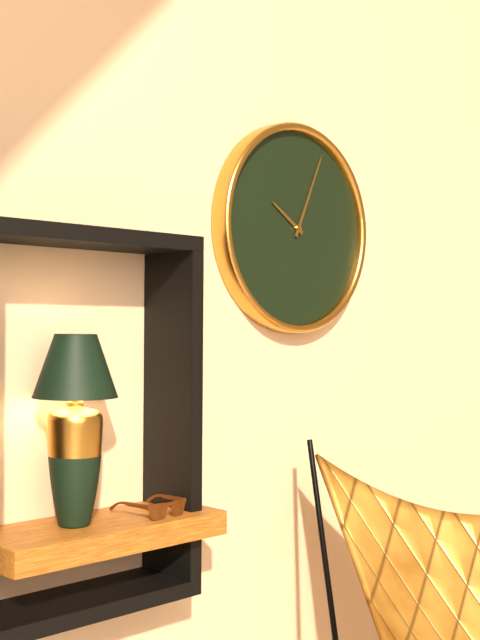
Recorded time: 10:04
